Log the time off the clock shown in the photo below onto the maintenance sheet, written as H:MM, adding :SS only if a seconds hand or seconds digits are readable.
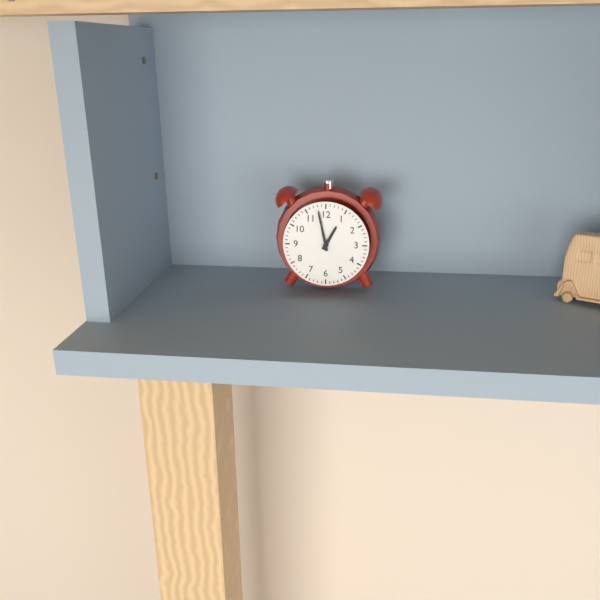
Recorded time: 12:58
